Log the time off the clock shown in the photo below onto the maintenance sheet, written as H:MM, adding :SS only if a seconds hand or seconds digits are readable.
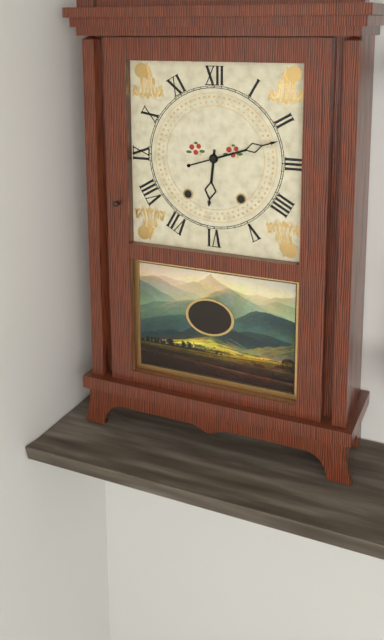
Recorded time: 6:12
